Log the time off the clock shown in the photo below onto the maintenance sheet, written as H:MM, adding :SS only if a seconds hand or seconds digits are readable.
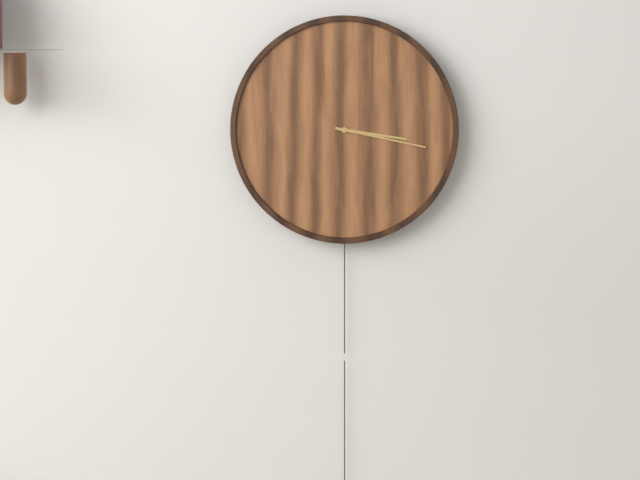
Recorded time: 3:17
